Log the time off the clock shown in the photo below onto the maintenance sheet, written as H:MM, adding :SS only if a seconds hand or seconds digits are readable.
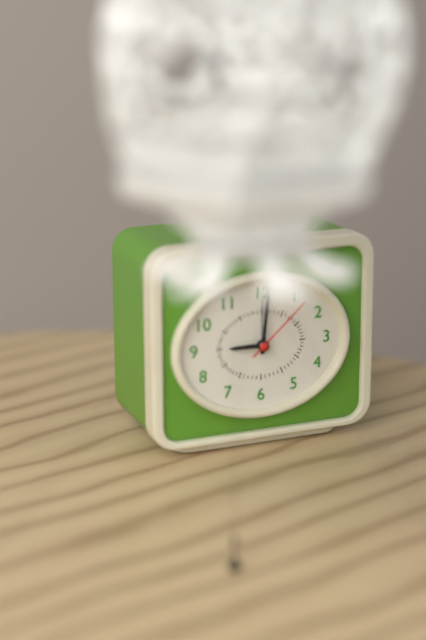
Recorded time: 9:01:08
